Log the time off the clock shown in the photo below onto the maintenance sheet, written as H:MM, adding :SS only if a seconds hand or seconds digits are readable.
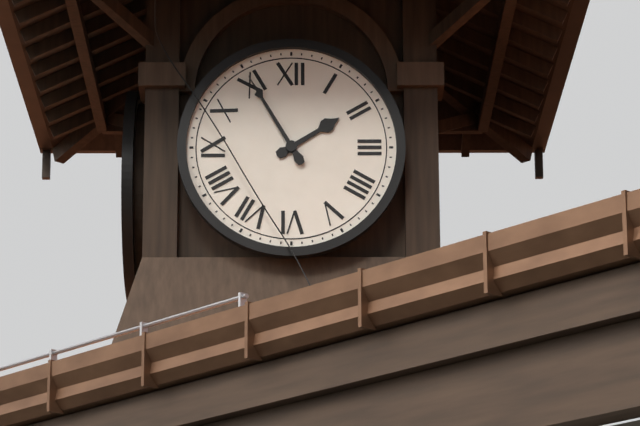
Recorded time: 1:55
